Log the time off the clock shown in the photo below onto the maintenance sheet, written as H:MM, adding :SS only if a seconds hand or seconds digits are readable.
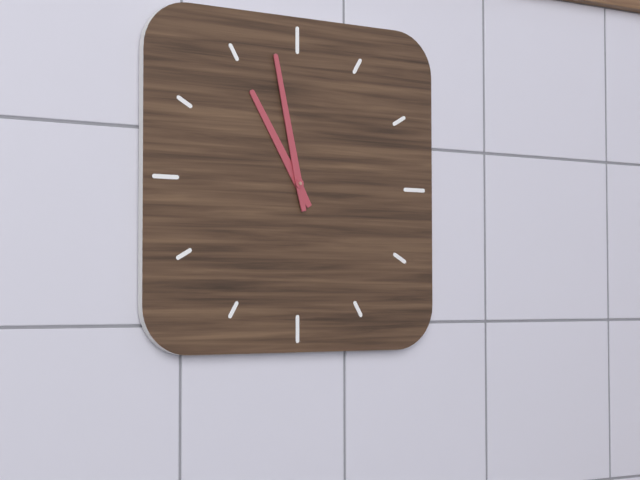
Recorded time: 10:58
